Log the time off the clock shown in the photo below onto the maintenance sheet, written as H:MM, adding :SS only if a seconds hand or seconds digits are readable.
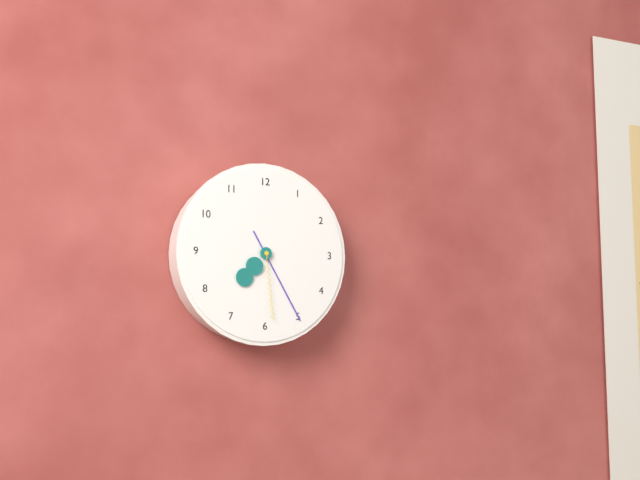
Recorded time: 7:25:29
